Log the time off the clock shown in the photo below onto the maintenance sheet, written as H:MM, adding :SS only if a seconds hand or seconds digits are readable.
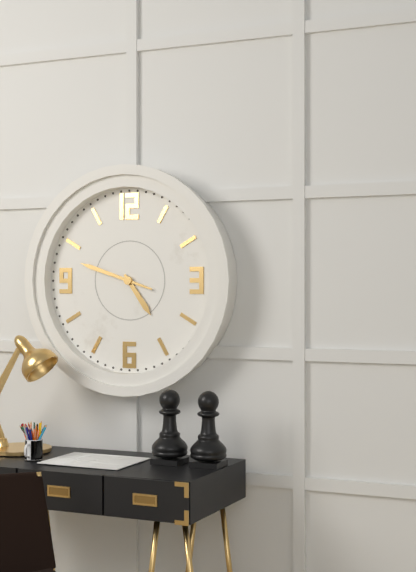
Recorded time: 4:48
